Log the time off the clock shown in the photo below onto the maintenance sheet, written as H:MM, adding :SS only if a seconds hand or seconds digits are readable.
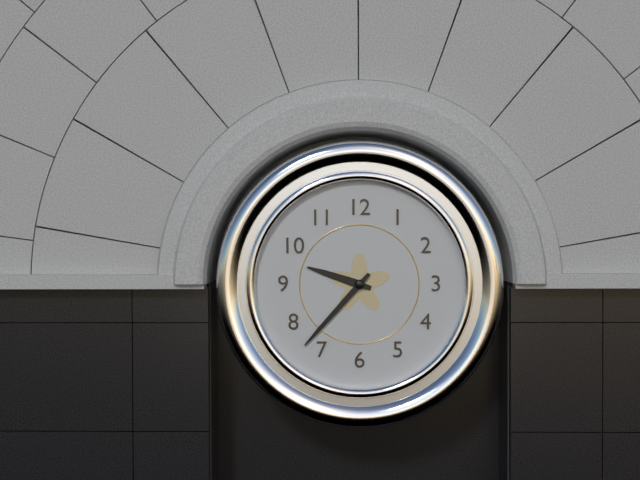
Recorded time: 9:37
